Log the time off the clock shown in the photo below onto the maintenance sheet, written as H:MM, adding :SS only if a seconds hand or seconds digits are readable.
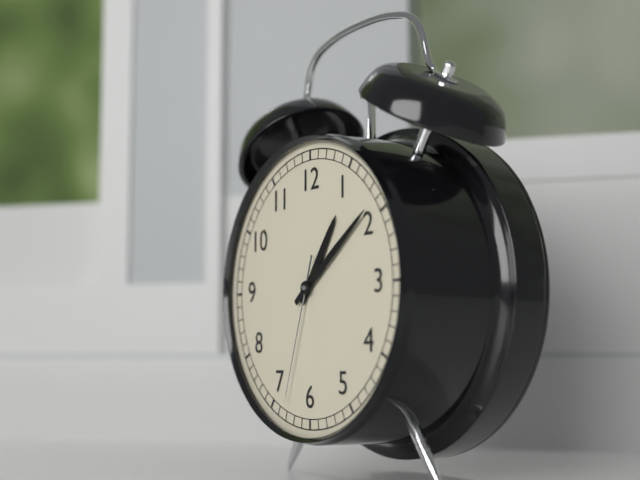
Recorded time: 1:09:33
